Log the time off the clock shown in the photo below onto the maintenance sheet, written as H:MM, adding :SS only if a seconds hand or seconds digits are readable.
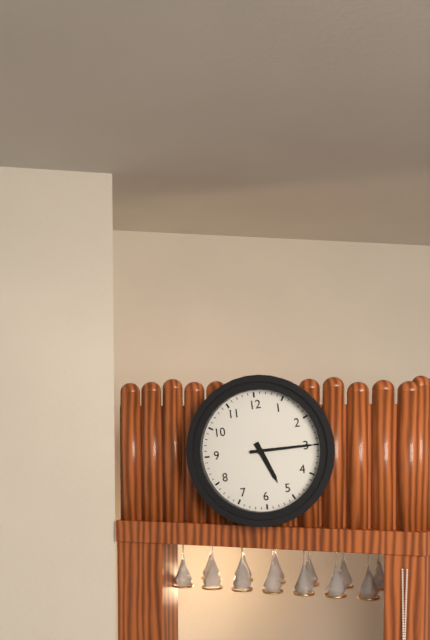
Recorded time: 5:15
